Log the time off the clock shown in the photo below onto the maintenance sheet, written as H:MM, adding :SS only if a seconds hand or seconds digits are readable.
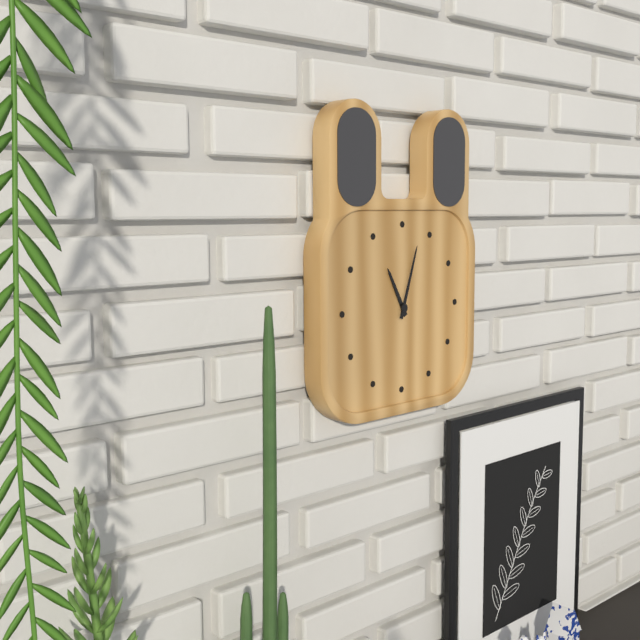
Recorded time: 11:03
